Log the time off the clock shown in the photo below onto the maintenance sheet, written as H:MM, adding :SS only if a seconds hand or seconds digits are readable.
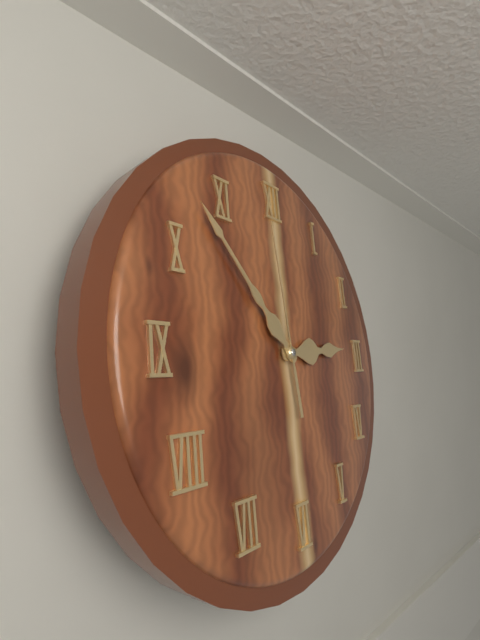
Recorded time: 2:53:59
